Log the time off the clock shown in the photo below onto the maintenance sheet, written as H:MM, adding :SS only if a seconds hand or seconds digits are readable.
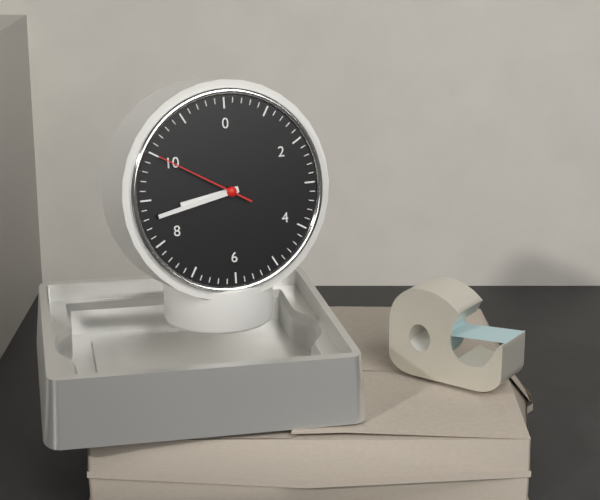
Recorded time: 8:43:50
